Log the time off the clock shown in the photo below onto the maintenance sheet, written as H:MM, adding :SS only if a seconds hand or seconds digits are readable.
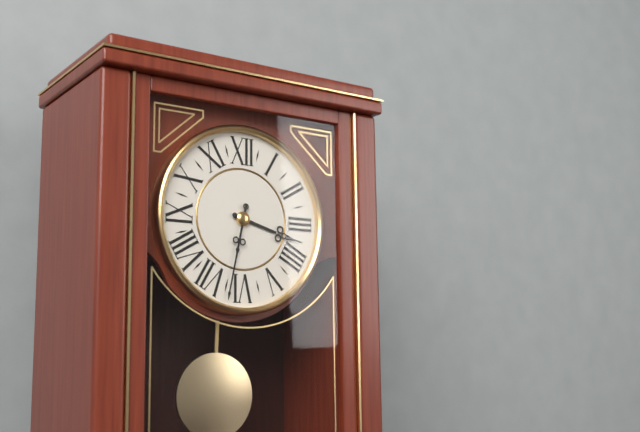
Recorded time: 3:32
